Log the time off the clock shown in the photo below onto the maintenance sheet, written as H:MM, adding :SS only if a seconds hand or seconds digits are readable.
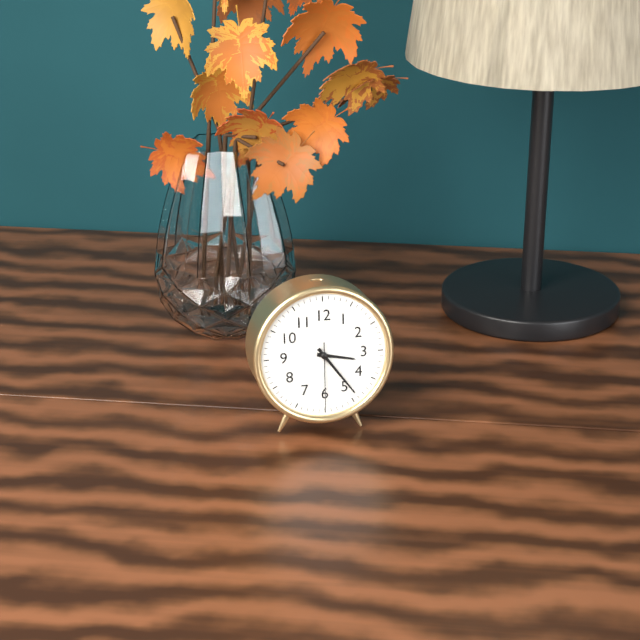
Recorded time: 3:24:30
